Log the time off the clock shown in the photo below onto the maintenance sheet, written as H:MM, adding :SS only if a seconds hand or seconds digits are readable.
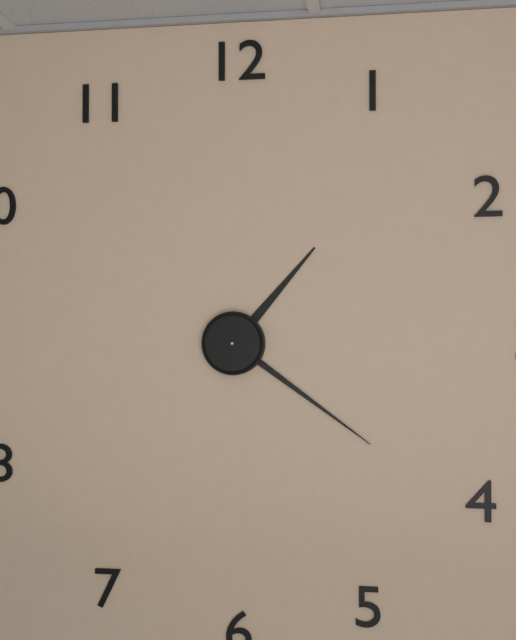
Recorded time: 1:21
